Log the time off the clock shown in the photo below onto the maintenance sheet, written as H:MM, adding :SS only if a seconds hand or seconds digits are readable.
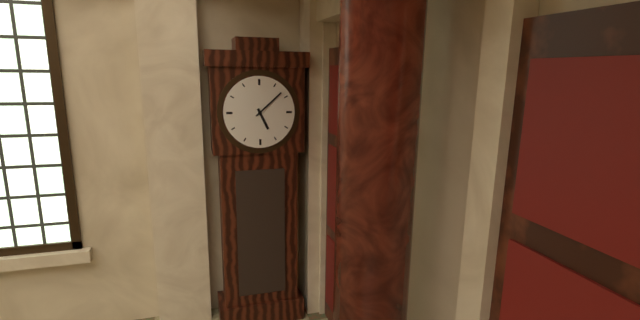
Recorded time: 5:08
